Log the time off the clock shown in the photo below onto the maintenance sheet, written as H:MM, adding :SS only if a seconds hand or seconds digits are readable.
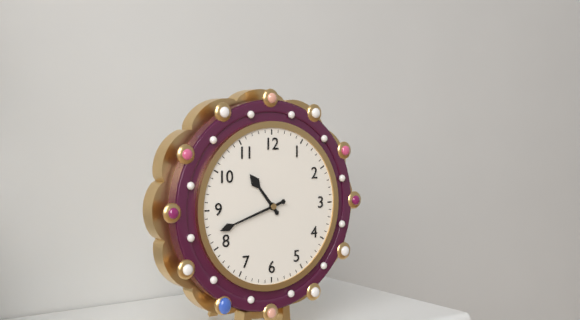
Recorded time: 10:42
